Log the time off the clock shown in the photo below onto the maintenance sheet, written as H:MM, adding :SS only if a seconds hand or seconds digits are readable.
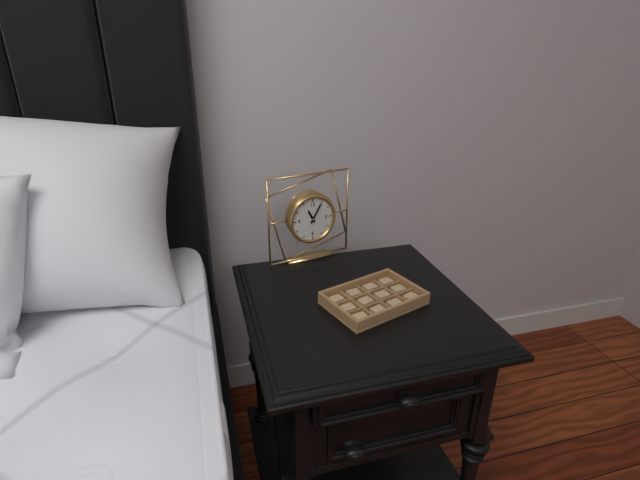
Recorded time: 11:05
